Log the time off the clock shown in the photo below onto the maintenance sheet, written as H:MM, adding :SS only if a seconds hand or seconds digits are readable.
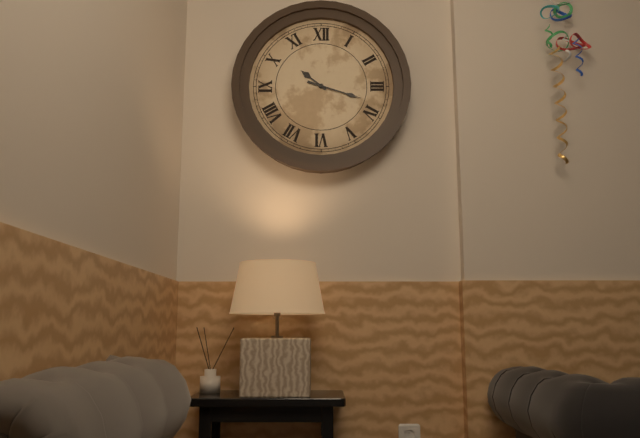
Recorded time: 10:18
